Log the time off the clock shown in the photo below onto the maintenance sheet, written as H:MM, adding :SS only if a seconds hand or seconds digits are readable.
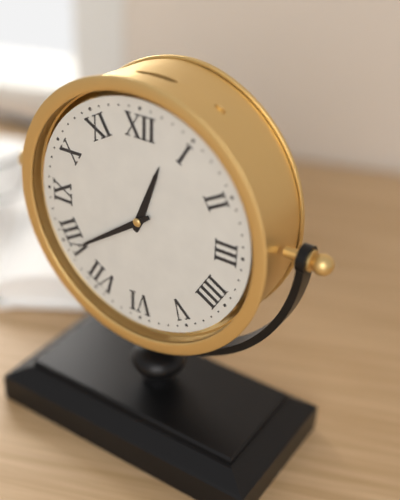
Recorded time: 12:39
